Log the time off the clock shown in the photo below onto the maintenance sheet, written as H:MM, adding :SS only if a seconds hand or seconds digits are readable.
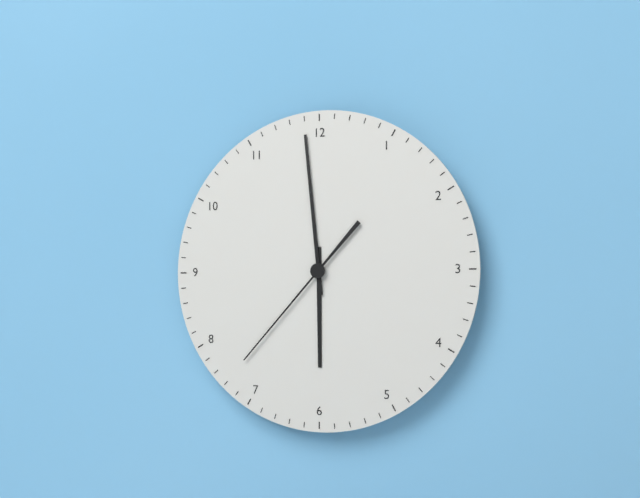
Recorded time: 5:59:37
